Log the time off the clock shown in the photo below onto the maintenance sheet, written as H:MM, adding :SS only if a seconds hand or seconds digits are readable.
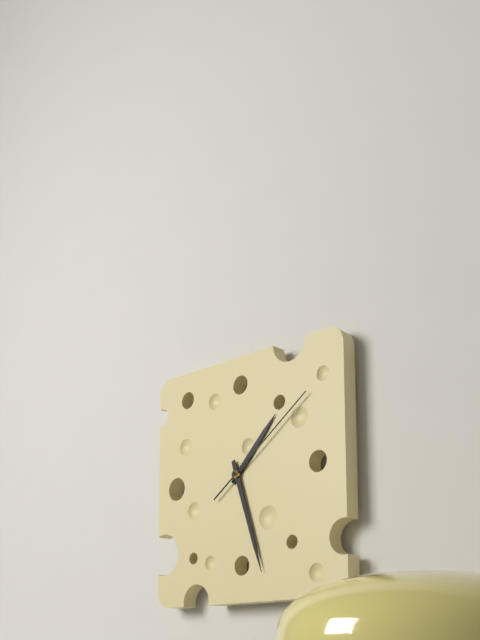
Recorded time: 1:27:09
